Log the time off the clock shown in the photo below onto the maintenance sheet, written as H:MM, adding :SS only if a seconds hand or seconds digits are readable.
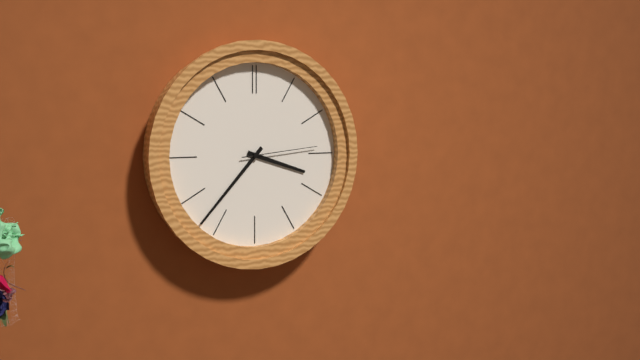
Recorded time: 3:37:14
